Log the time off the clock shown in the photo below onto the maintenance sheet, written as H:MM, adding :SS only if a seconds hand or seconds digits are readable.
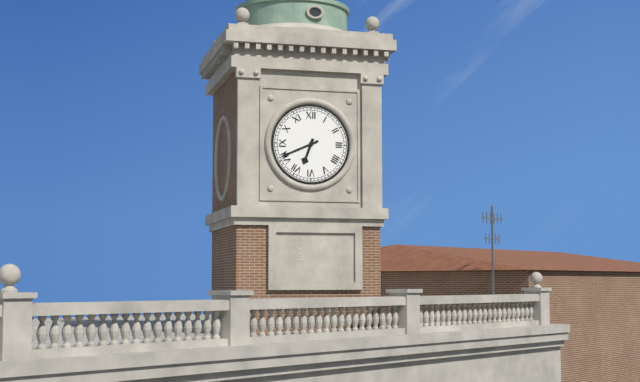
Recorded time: 6:41
